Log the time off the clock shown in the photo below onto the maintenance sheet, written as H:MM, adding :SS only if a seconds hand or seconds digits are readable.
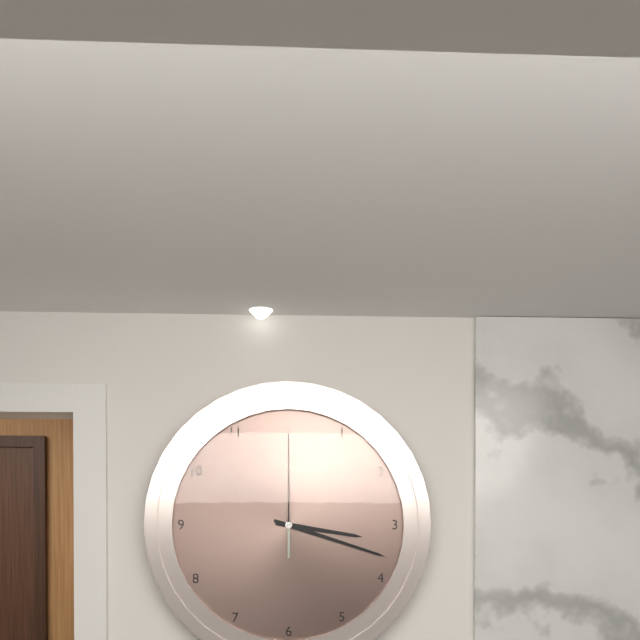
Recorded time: 3:18:00
